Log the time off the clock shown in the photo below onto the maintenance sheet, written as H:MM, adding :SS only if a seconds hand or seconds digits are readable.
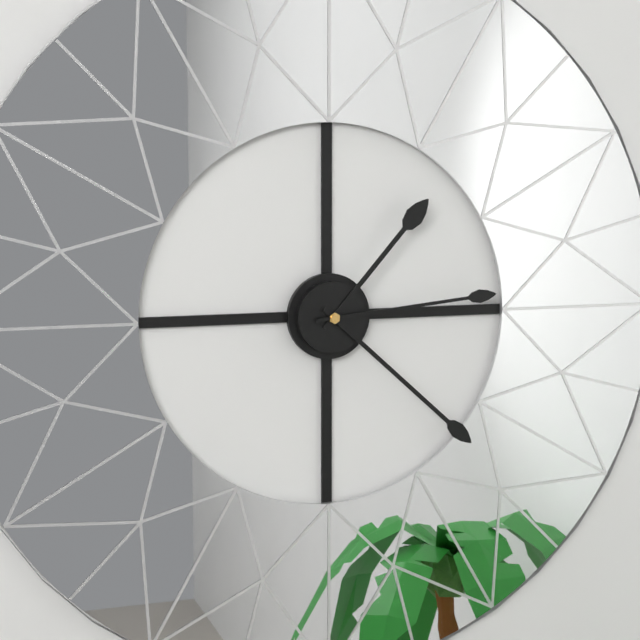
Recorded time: 1:22:14
